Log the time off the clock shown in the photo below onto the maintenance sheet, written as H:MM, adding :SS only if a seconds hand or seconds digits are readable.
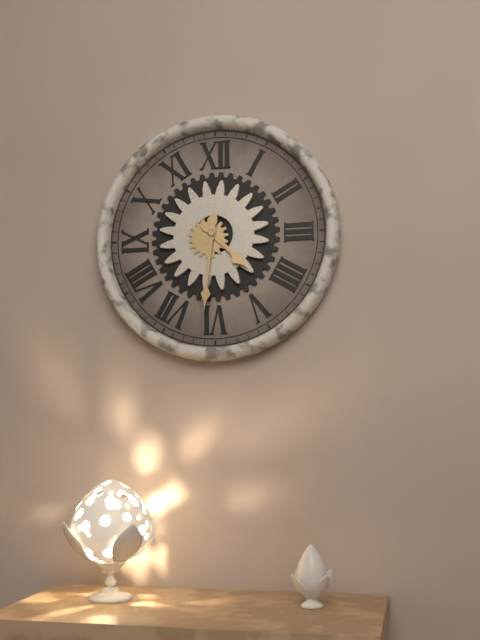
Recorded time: 4:31
